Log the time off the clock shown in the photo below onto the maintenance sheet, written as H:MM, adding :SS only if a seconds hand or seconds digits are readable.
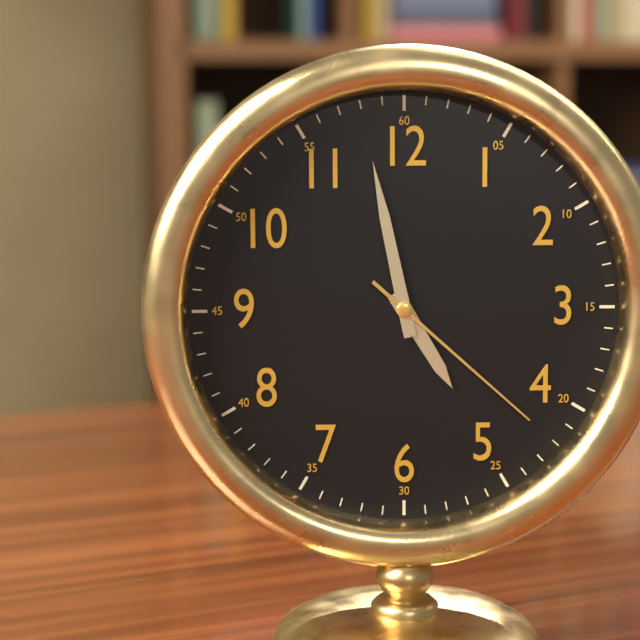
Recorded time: 4:58:22
